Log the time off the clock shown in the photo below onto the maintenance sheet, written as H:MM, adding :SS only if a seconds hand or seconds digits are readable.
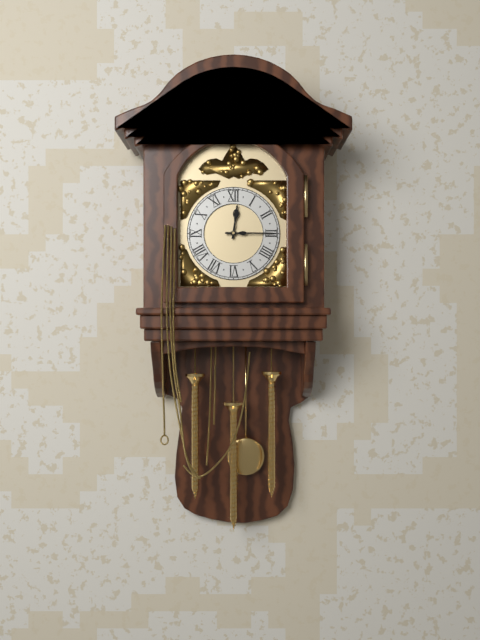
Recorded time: 12:15
